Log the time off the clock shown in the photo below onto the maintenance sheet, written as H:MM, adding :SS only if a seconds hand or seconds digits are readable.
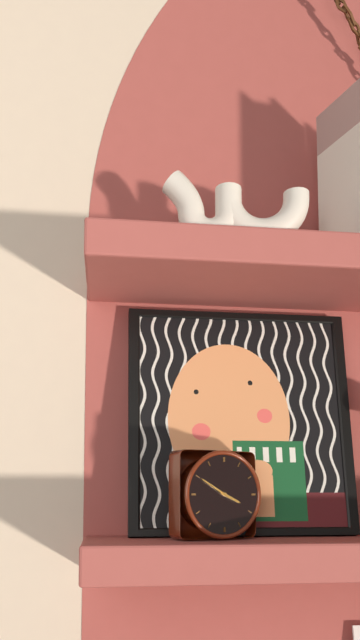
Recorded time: 3:50
